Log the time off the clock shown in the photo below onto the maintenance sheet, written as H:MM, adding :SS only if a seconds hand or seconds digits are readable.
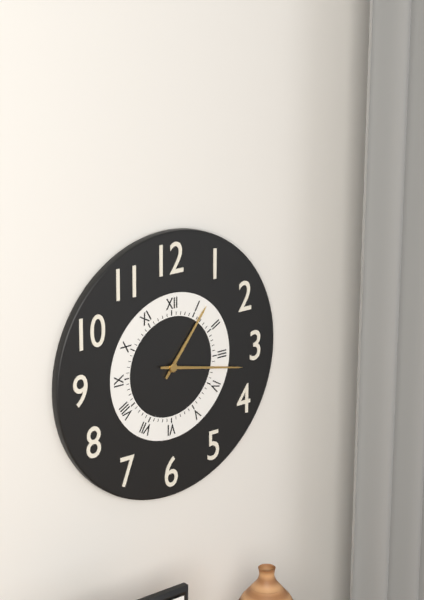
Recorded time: 1:17
